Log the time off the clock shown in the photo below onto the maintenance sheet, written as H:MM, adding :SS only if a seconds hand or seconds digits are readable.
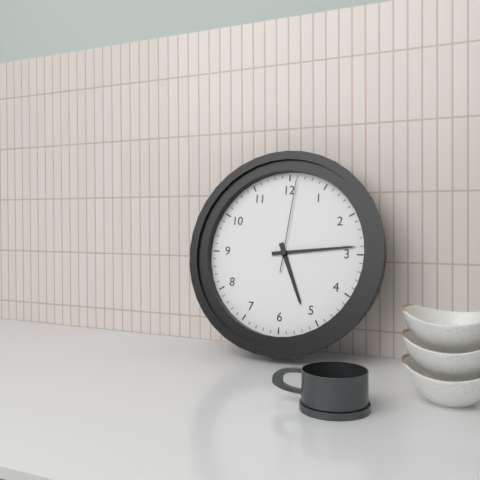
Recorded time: 5:14:01
